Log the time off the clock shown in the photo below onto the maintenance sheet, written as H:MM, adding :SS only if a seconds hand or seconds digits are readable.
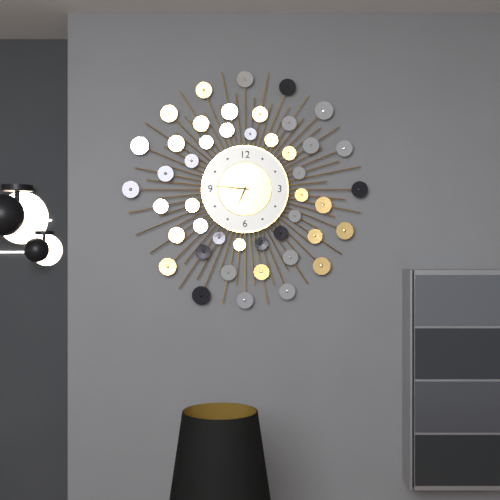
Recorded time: 6:46
